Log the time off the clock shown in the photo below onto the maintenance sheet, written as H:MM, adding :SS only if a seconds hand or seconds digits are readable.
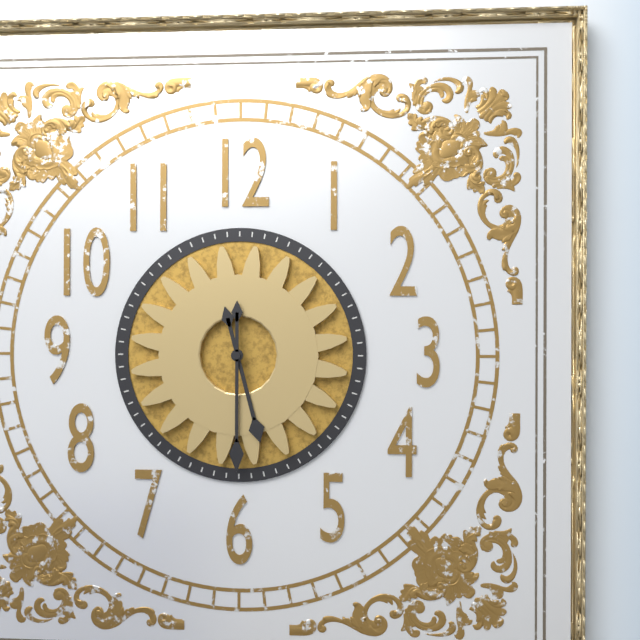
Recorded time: 5:30
